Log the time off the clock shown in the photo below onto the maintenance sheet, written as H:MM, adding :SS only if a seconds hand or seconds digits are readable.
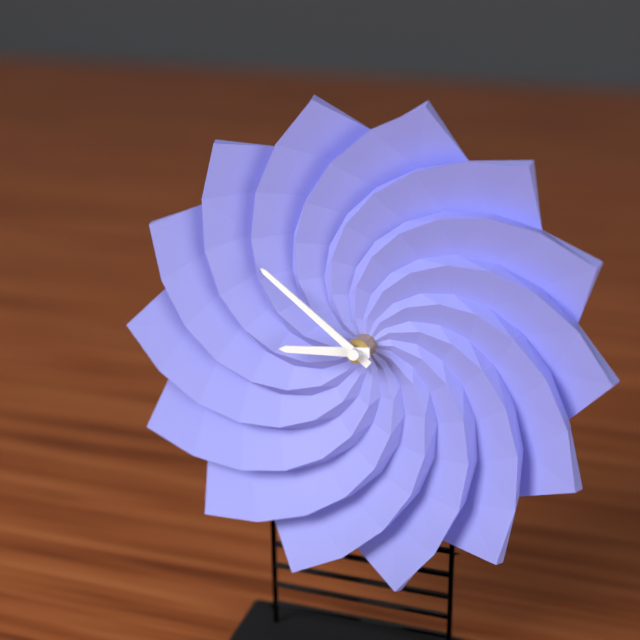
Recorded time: 8:51
